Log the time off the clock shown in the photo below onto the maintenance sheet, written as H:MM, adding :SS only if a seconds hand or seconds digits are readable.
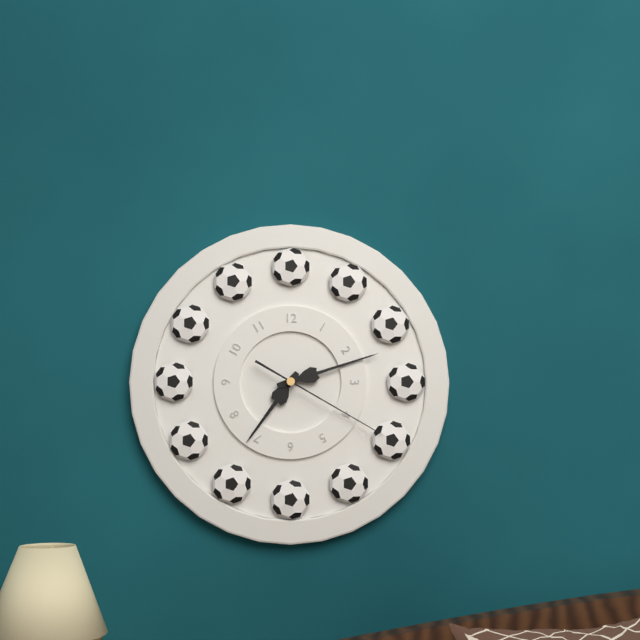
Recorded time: 7:12:20
